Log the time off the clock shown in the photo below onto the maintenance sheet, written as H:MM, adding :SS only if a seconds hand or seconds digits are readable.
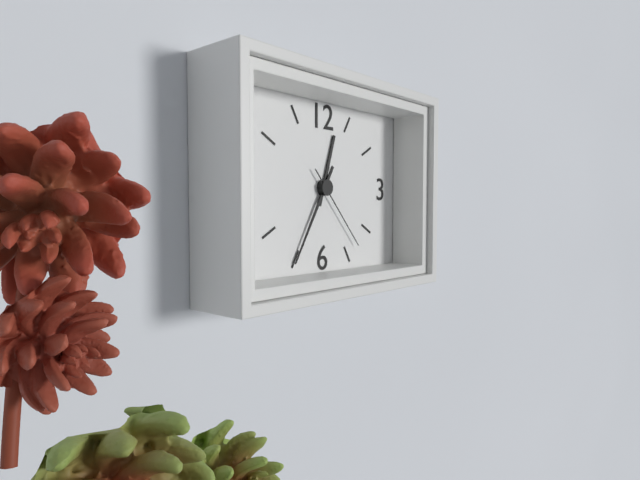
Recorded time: 12:35:23
